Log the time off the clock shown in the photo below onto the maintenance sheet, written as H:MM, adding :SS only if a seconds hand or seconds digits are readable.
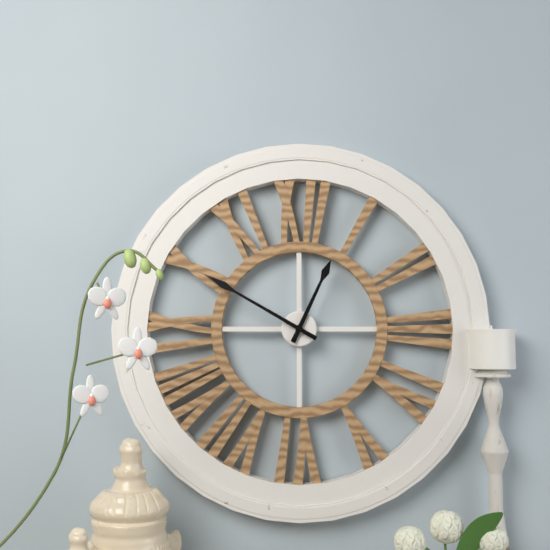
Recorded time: 12:50
